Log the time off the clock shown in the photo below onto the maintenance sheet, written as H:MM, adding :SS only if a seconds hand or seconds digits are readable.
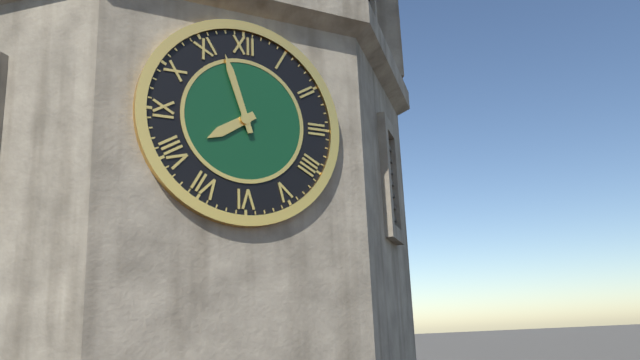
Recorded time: 7:57
